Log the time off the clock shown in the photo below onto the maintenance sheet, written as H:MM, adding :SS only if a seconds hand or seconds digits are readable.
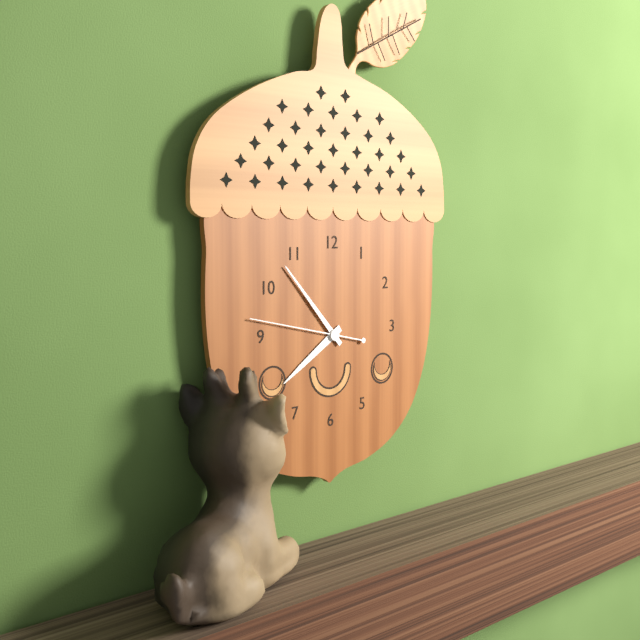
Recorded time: 7:53:47
